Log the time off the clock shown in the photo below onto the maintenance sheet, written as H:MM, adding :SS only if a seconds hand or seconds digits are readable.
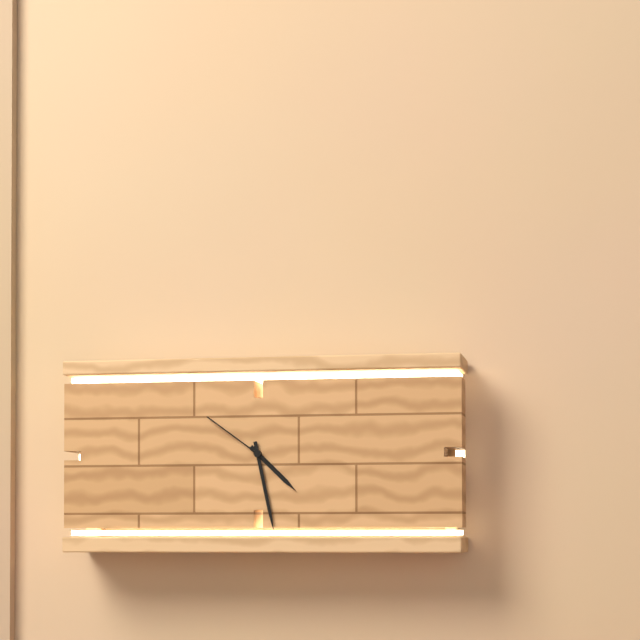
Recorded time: 4:28:51
